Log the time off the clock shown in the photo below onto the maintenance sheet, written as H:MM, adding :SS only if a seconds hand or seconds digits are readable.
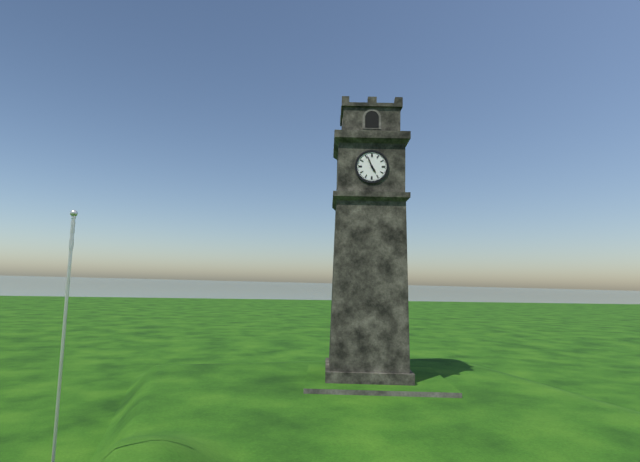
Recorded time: 4:56
